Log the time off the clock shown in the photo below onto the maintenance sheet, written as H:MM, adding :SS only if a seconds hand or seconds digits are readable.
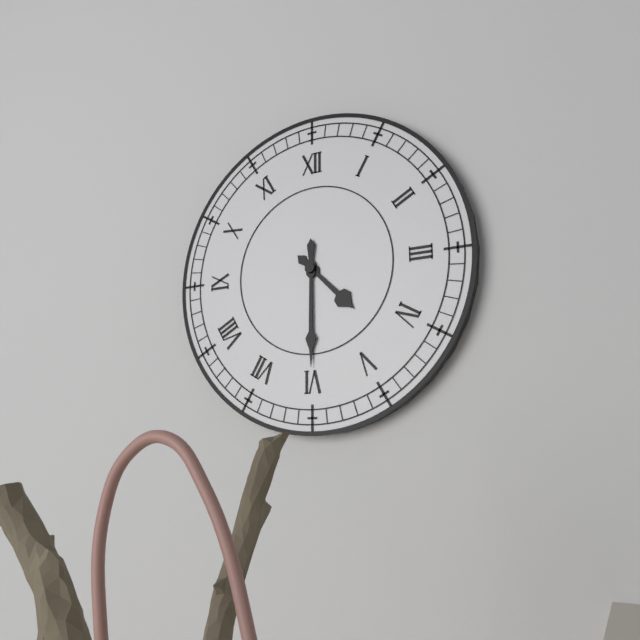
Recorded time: 4:30
